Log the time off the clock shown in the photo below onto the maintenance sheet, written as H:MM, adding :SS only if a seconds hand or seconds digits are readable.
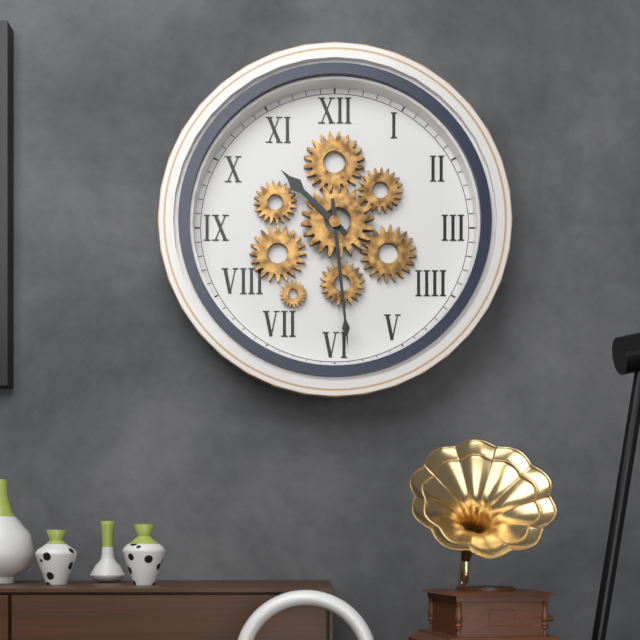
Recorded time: 10:29
